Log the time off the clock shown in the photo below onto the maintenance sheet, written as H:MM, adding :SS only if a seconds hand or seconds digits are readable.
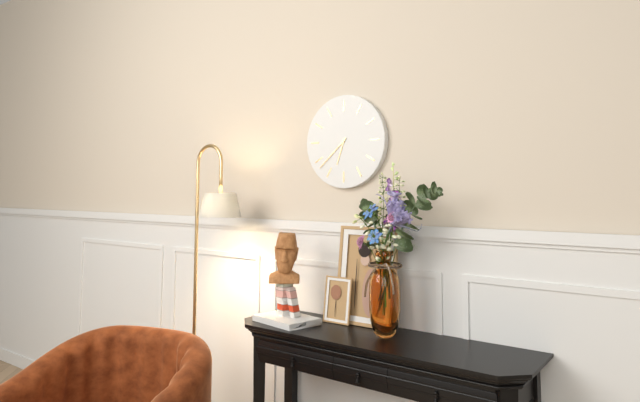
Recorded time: 6:38
